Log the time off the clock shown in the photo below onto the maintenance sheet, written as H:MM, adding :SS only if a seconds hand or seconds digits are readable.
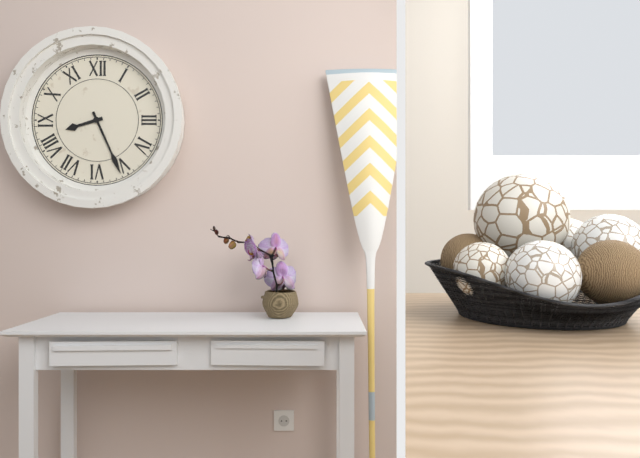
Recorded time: 8:26
